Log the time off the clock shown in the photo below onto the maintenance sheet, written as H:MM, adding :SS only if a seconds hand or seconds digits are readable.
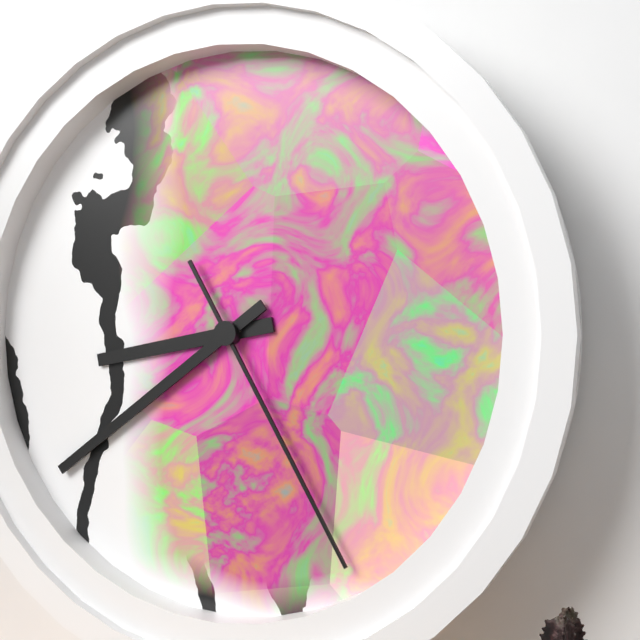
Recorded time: 8:39:25
